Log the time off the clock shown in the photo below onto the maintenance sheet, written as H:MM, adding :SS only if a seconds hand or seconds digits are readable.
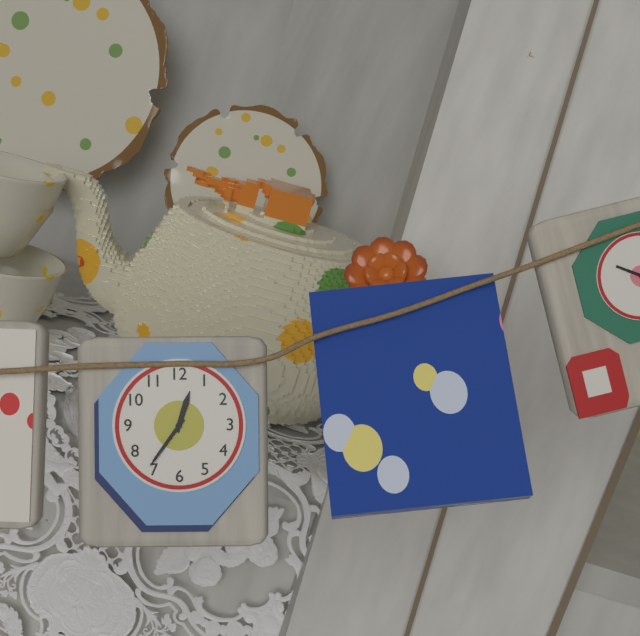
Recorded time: 12:36
